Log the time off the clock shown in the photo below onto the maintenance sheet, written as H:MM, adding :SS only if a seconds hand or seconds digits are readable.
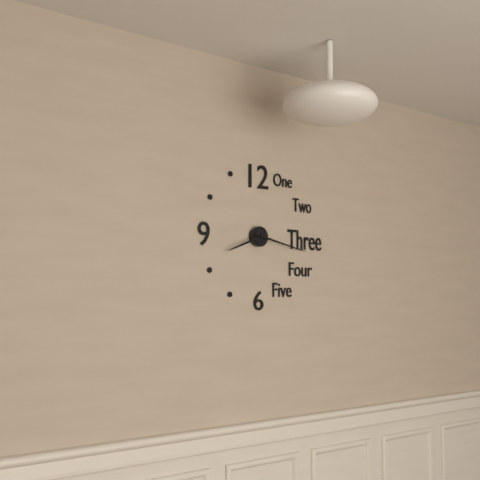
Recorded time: 8:17
